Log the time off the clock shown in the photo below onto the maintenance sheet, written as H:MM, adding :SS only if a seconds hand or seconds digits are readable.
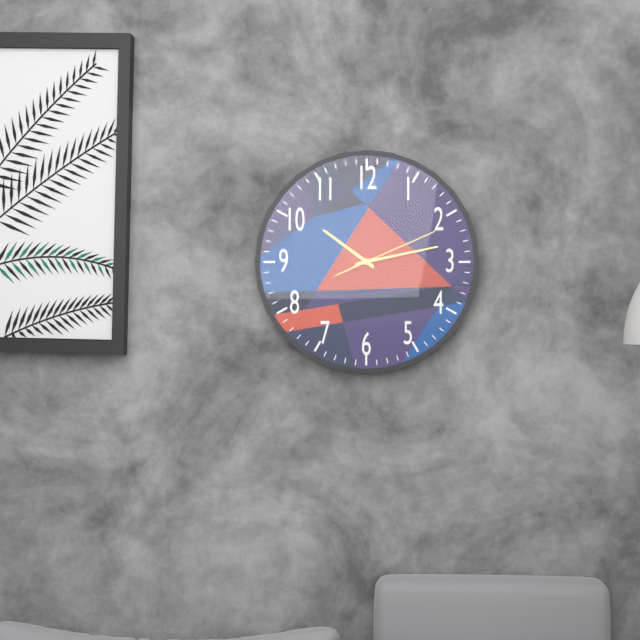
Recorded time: 10:13:11
